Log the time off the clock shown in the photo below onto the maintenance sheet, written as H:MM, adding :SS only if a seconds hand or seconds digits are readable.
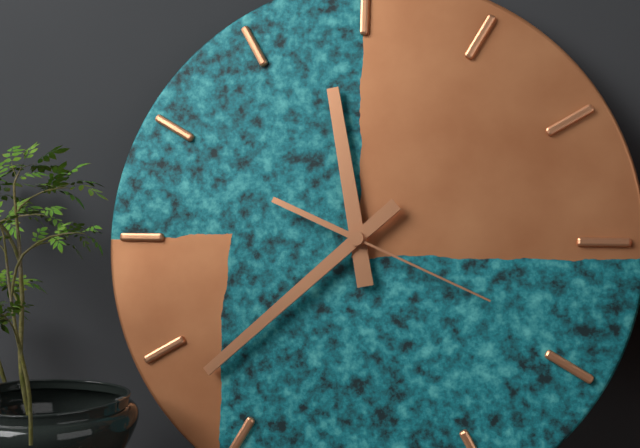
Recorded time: 11:38:19
